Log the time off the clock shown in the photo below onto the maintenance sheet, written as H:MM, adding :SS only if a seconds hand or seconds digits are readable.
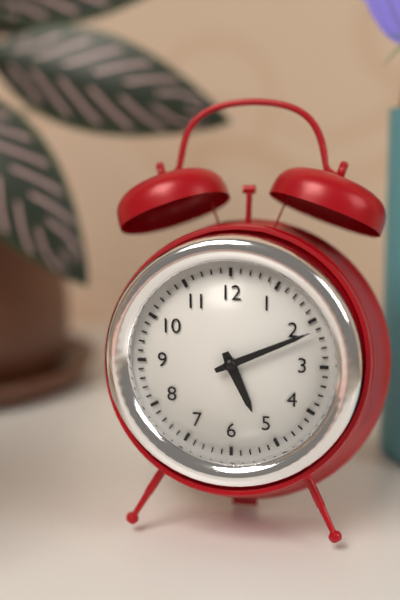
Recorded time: 5:11
